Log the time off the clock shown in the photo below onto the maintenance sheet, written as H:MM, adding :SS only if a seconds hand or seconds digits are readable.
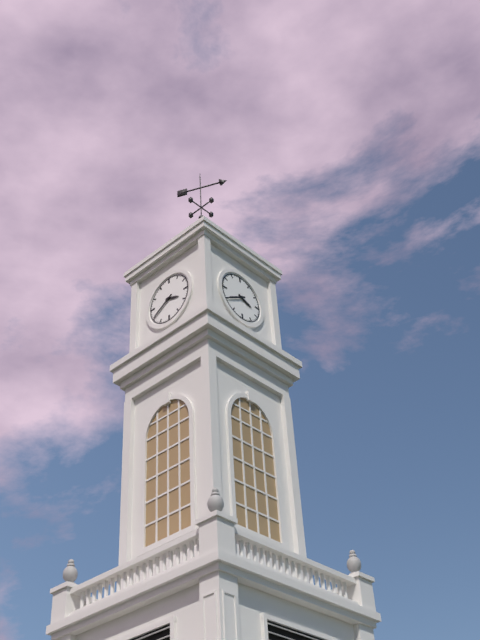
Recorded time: 3:40
